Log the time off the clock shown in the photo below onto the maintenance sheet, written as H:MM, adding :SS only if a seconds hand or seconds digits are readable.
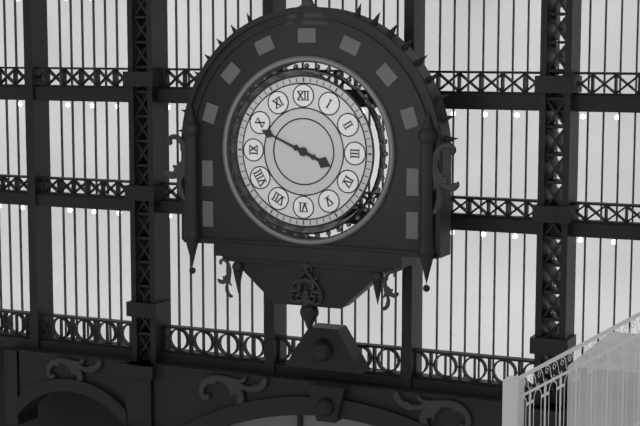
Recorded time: 3:49
